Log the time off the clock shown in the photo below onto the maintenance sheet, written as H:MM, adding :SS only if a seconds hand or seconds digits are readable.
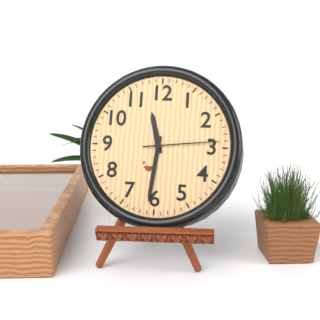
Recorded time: 11:31:14
